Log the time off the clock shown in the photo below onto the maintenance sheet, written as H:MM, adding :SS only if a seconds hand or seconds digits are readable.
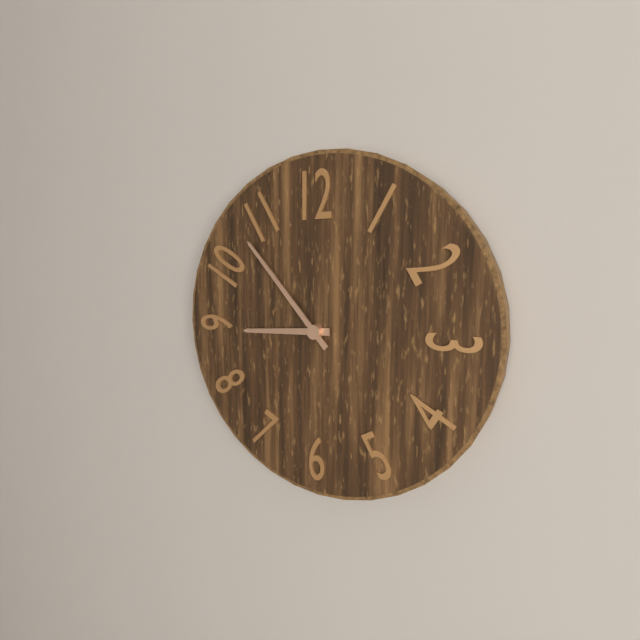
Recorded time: 8:53
